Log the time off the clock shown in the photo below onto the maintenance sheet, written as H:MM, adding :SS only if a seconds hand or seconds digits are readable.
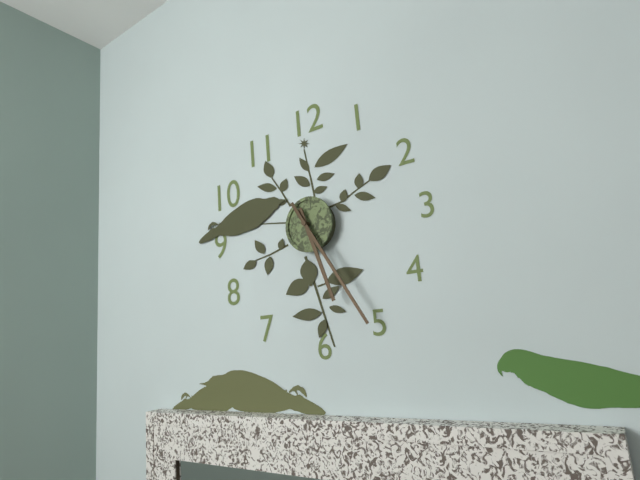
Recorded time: 5:25
